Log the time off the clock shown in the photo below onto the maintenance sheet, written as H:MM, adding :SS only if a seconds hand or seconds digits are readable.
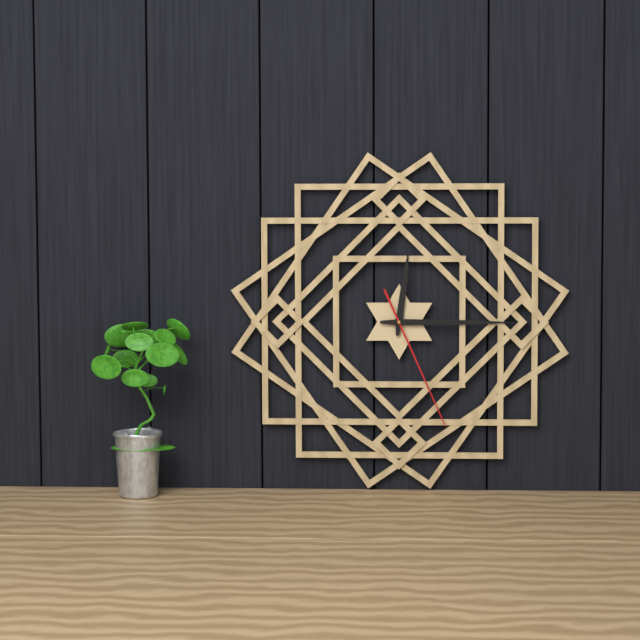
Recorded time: 12:15:26
